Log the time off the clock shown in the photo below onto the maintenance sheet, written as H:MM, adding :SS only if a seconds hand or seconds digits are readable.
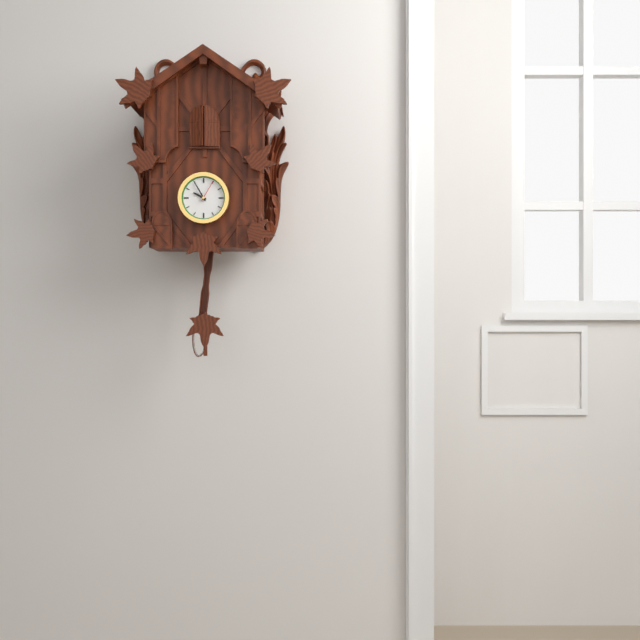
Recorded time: 9:55
